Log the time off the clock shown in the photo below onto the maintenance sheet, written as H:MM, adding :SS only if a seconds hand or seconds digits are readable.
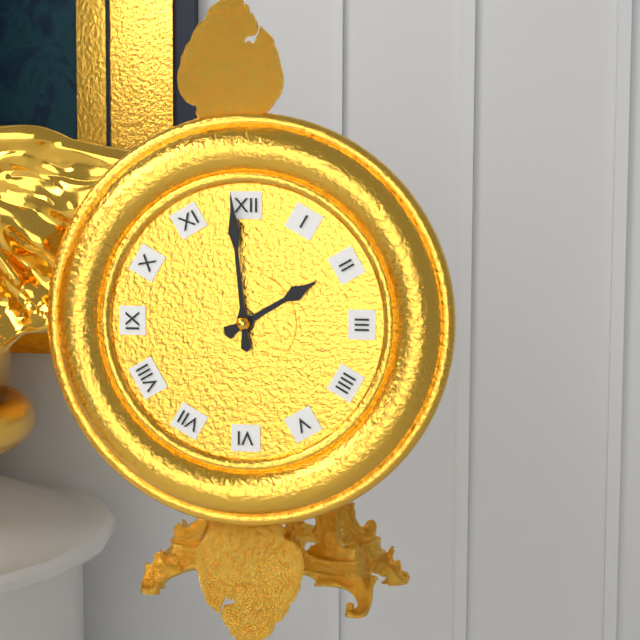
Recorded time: 1:59
